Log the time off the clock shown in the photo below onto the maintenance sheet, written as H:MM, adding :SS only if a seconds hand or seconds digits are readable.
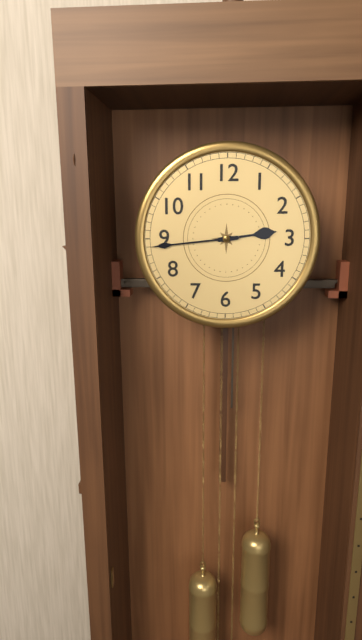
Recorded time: 2:44
